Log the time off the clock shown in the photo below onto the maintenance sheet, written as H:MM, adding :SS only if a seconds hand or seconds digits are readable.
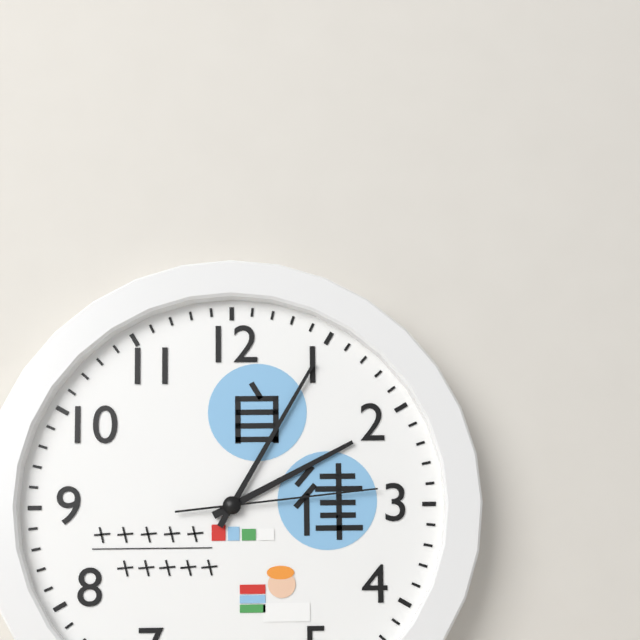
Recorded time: 2:05:14
